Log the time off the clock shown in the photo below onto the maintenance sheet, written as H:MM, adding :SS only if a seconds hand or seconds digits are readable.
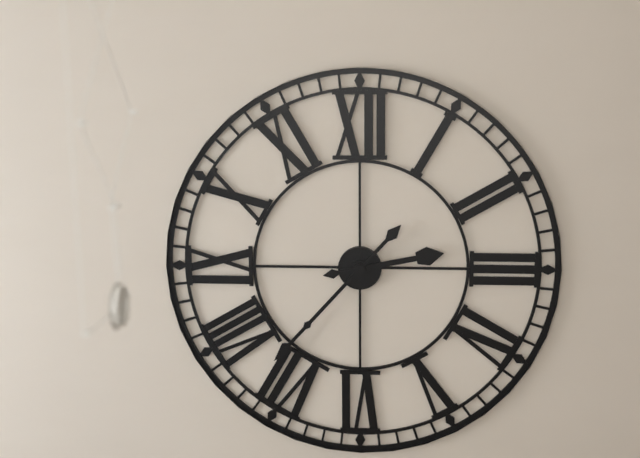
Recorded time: 2:37
